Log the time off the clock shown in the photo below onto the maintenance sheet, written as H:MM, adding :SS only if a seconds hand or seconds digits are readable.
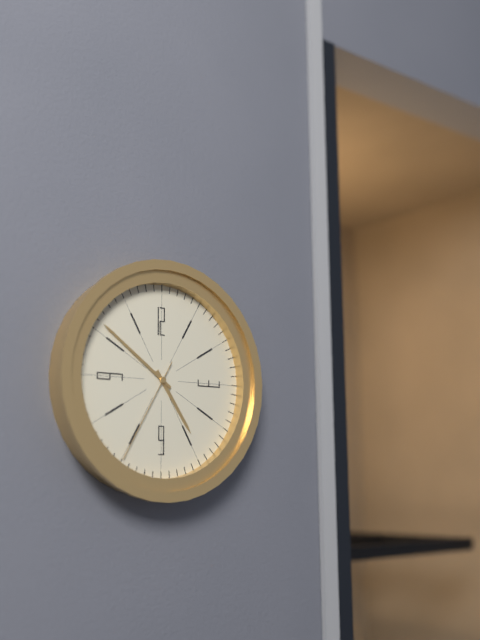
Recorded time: 4:51:35
